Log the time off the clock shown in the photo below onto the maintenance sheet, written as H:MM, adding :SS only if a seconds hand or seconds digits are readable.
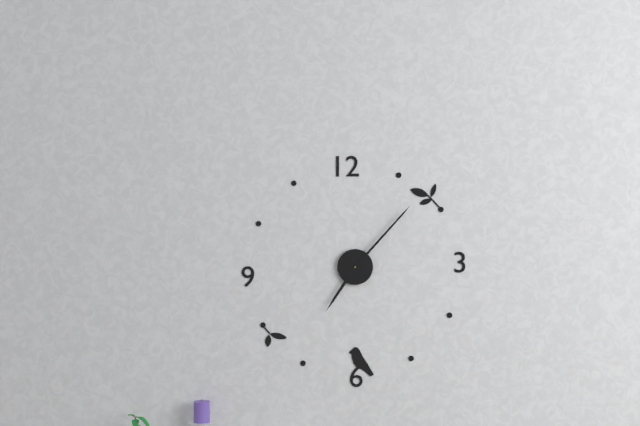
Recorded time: 7:07
